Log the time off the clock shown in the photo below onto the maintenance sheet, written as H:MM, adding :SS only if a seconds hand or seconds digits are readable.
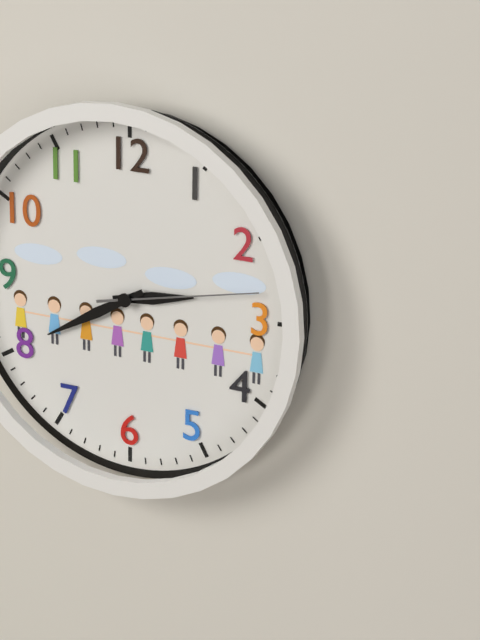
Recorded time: 2:40:13
